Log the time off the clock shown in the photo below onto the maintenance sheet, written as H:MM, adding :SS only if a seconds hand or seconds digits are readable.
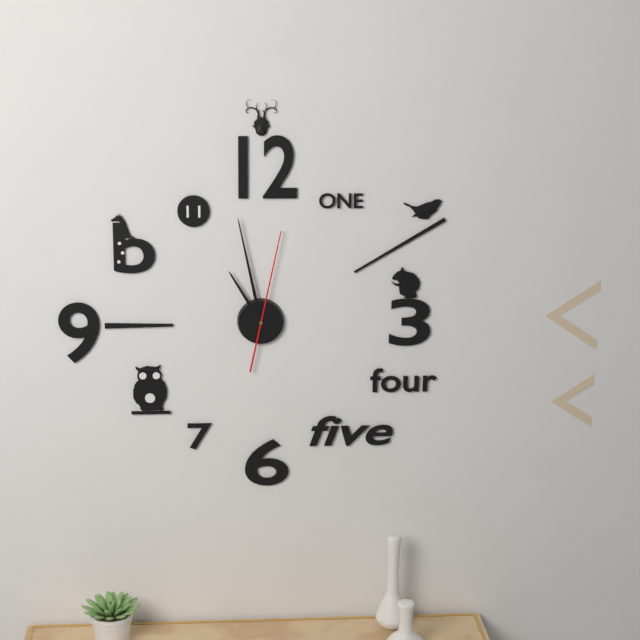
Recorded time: 10:58:02
